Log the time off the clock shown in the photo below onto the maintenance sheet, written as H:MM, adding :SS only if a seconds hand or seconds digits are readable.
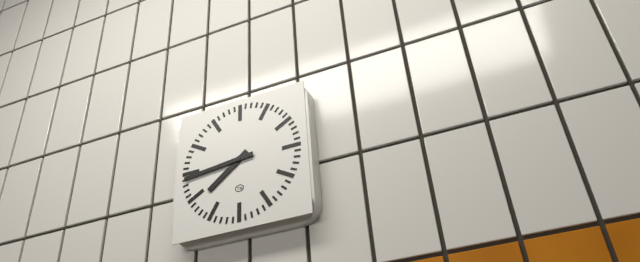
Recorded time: 7:44
